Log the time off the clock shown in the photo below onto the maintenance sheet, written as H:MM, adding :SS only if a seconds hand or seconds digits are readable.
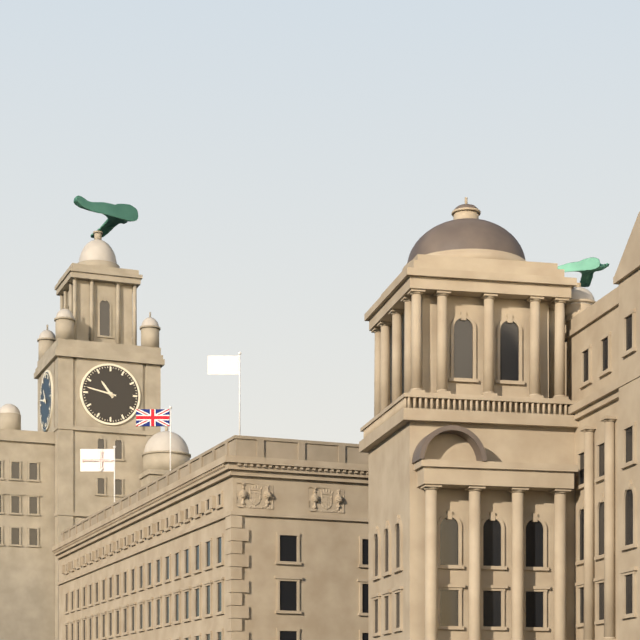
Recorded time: 10:47
